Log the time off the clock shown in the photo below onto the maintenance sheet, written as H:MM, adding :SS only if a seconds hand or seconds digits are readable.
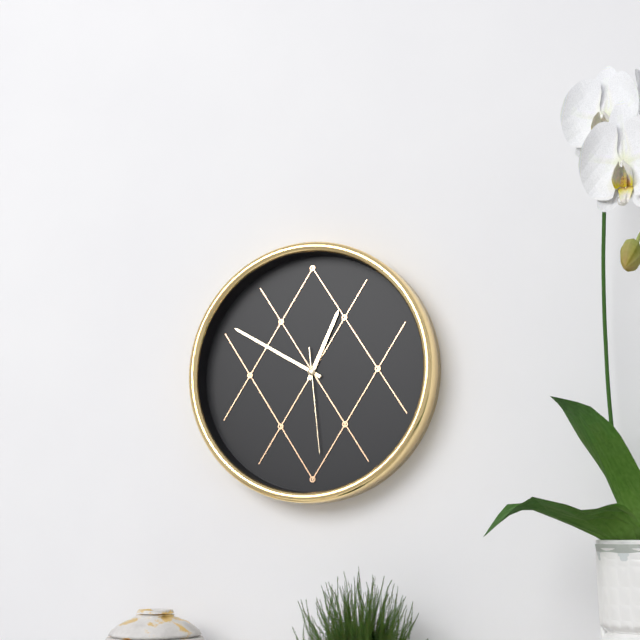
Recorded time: 12:50:29
